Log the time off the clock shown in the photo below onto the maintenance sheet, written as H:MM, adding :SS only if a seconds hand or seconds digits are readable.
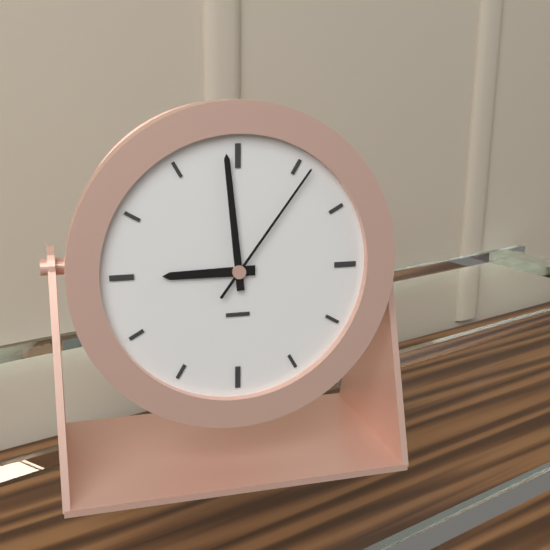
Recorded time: 8:59:06
